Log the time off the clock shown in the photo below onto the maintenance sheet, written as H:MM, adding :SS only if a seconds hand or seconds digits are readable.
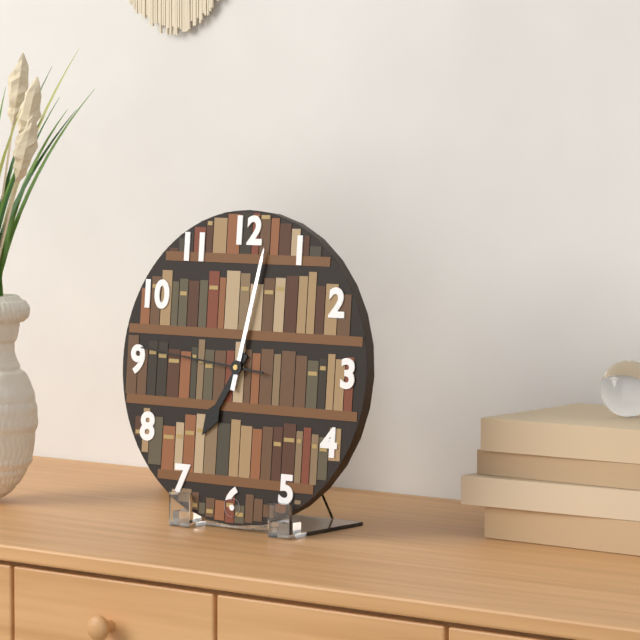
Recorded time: 7:02:46
